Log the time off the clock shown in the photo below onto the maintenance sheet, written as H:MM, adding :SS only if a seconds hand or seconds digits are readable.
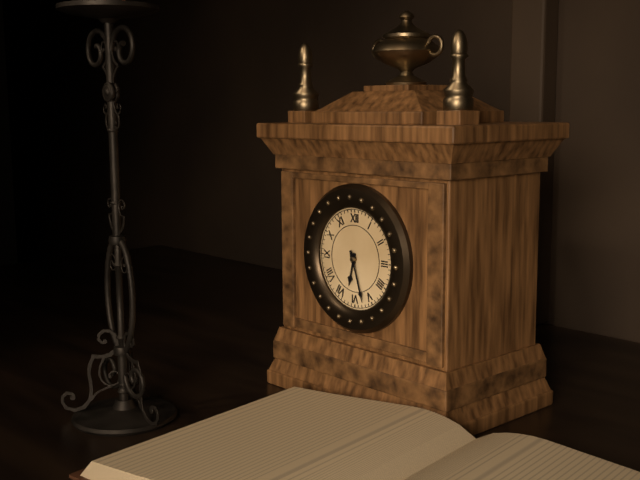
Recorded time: 6:27
